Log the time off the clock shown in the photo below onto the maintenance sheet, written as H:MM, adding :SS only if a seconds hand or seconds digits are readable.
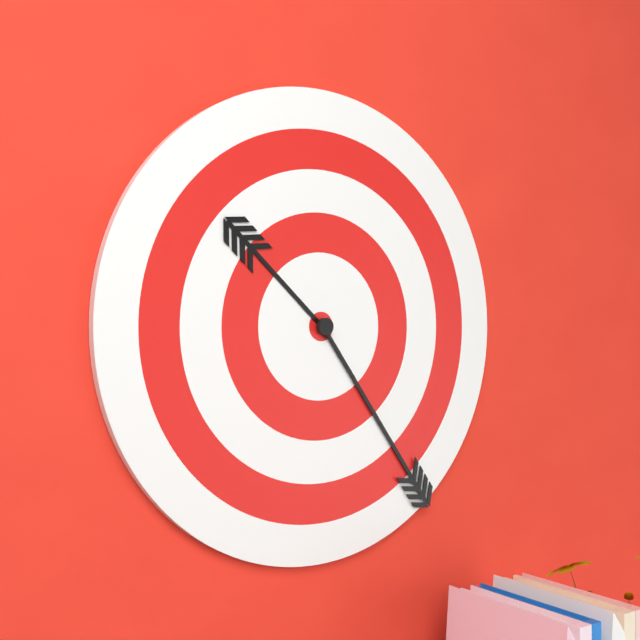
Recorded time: 10:24
